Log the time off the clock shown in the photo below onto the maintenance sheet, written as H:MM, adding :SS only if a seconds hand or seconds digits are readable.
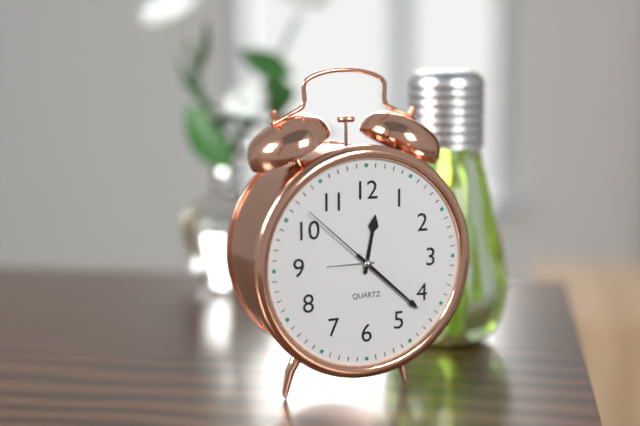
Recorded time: 12:22:52
